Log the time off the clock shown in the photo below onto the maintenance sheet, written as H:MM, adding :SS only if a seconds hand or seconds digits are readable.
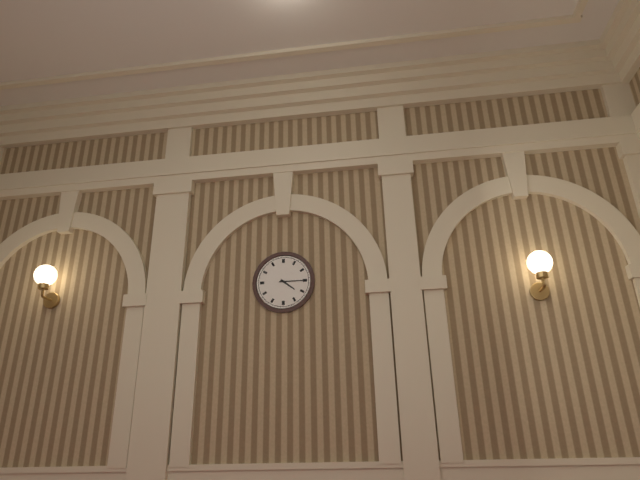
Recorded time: 4:15
